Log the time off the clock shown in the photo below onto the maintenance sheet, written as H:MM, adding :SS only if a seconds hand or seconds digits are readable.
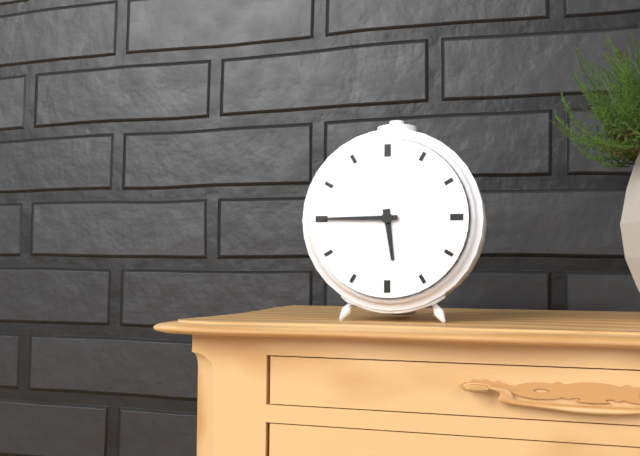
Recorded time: 5:45
